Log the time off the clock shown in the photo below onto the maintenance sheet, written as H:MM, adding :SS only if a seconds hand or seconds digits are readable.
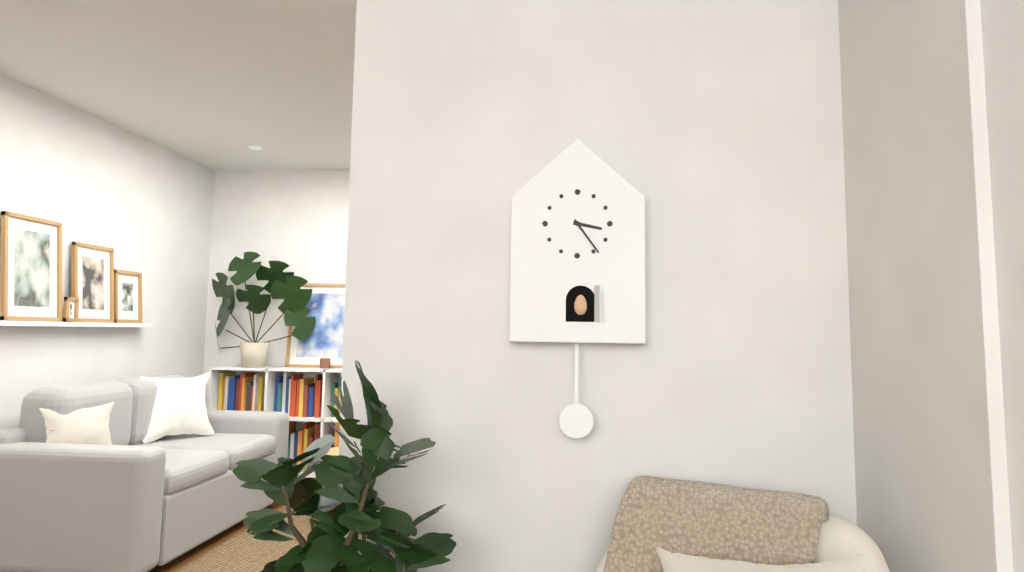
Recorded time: 3:24
